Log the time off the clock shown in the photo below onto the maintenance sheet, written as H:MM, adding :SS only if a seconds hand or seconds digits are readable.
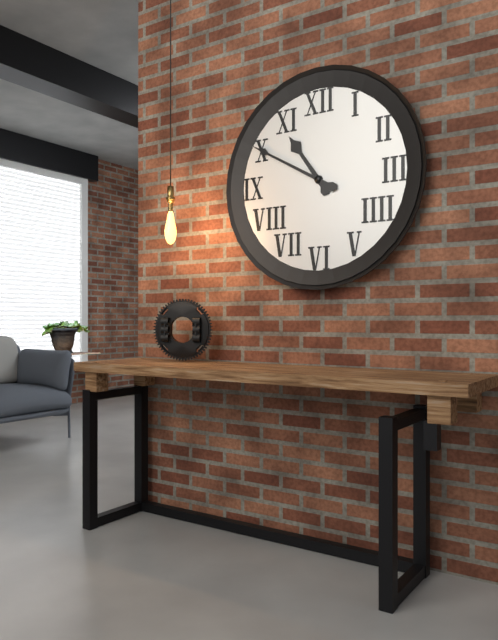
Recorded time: 10:50
